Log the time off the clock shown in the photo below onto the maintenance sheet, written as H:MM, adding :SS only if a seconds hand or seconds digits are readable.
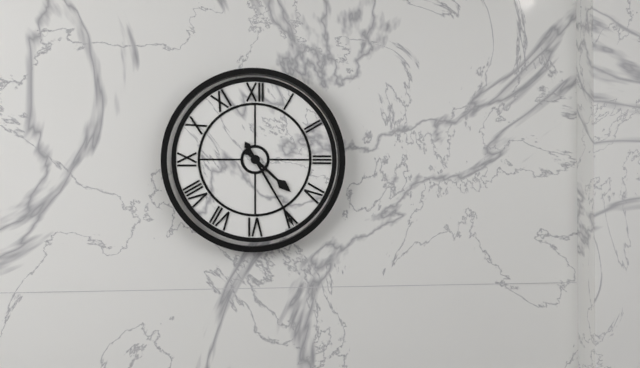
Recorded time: 4:25
